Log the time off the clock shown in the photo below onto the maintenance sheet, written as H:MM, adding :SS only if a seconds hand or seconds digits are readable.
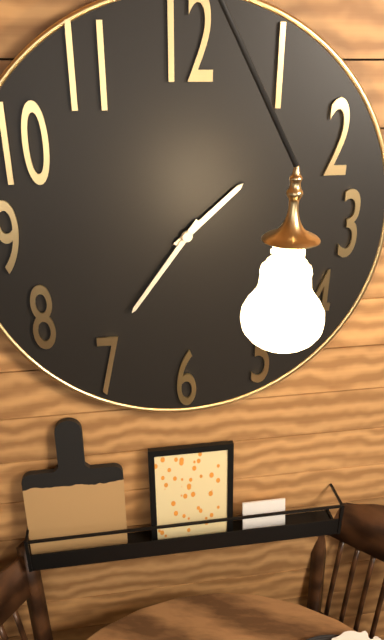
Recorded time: 1:36
